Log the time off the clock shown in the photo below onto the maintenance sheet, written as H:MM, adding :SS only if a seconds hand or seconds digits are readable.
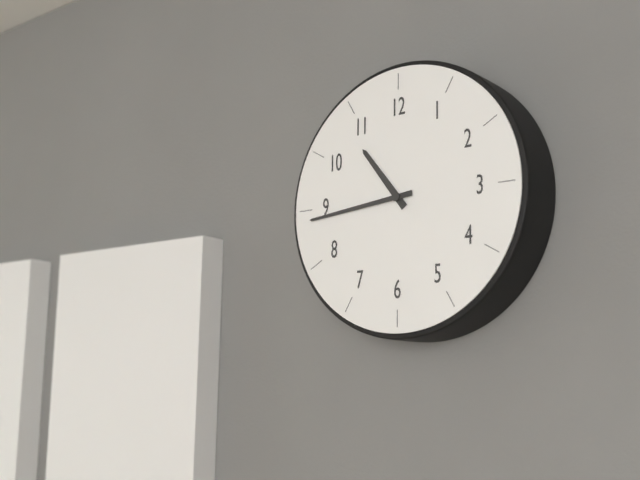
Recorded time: 10:44
